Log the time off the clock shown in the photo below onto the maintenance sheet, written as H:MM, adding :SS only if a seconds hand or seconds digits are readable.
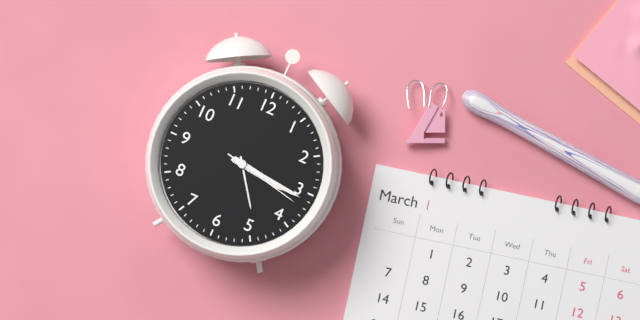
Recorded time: 3:16:17
